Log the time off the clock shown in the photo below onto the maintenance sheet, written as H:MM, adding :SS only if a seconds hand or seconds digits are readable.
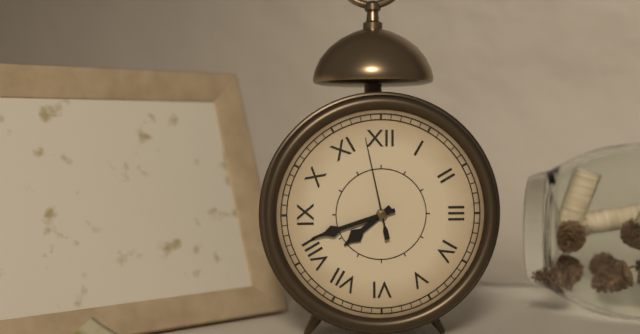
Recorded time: 7:42:58
